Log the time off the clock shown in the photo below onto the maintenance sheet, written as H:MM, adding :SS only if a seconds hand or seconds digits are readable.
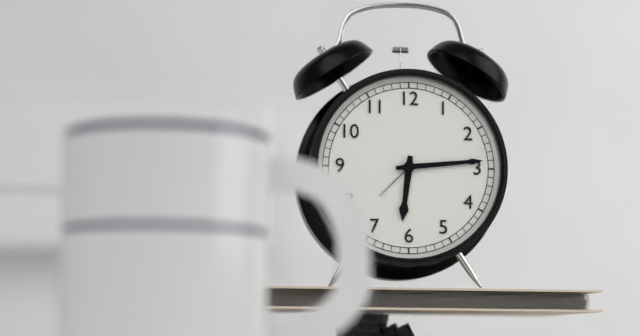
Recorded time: 6:14
